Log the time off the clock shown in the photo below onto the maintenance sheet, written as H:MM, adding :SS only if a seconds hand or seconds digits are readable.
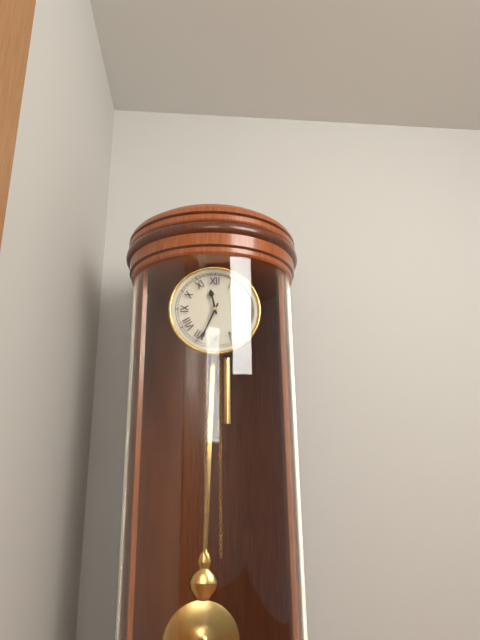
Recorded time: 11:34
